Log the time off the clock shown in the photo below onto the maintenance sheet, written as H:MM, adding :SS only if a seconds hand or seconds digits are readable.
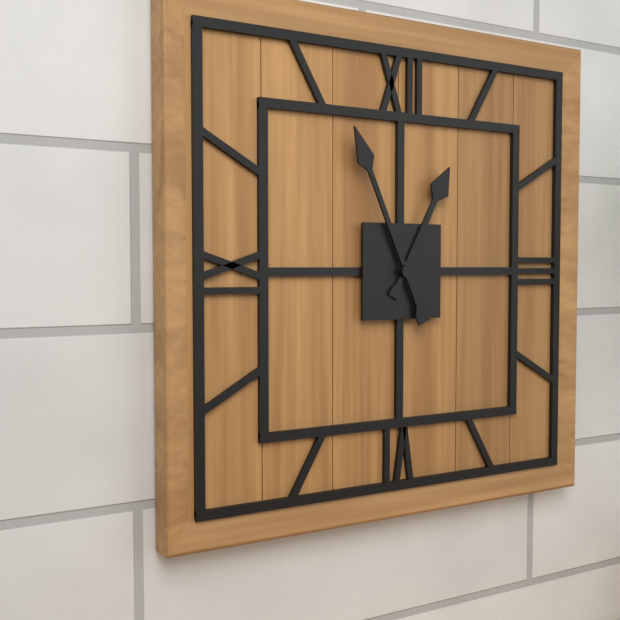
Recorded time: 12:56
